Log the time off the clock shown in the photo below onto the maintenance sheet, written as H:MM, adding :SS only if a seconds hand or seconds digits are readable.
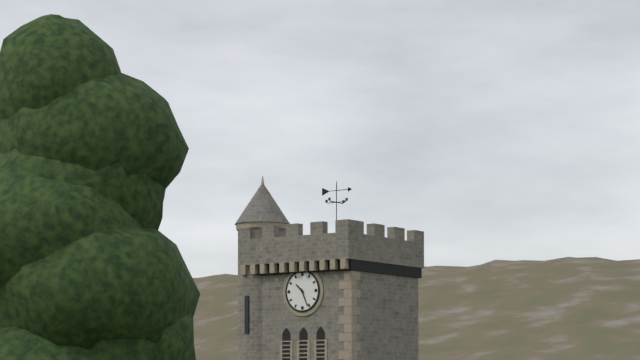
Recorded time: 10:26
